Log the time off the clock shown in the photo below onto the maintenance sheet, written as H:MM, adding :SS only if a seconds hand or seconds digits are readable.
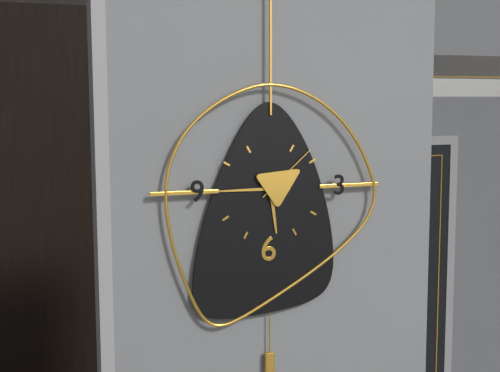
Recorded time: 5:45:08
